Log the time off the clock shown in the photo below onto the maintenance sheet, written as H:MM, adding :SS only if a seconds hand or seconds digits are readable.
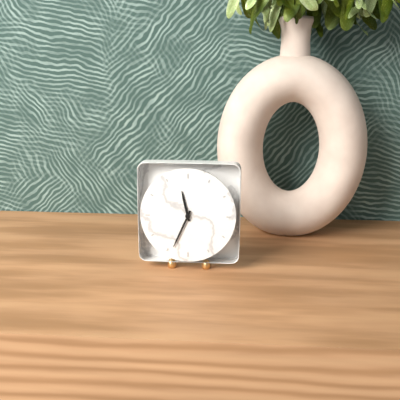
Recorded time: 11:34
